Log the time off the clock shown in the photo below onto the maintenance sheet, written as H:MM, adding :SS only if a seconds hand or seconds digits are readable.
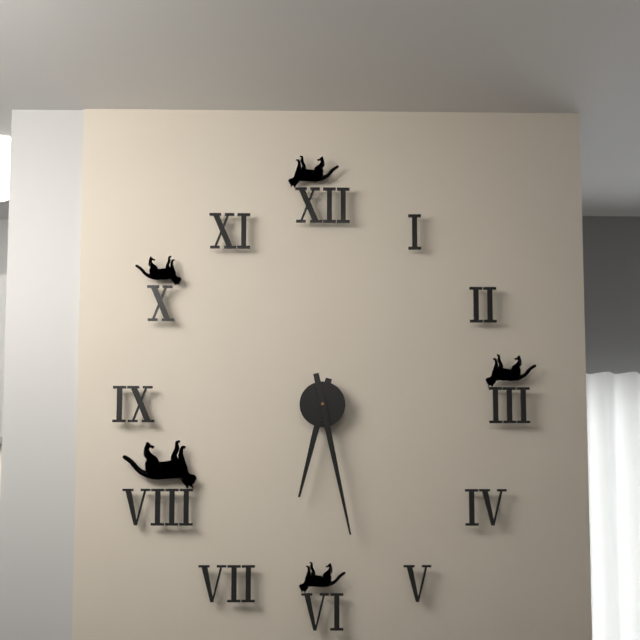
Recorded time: 6:28
